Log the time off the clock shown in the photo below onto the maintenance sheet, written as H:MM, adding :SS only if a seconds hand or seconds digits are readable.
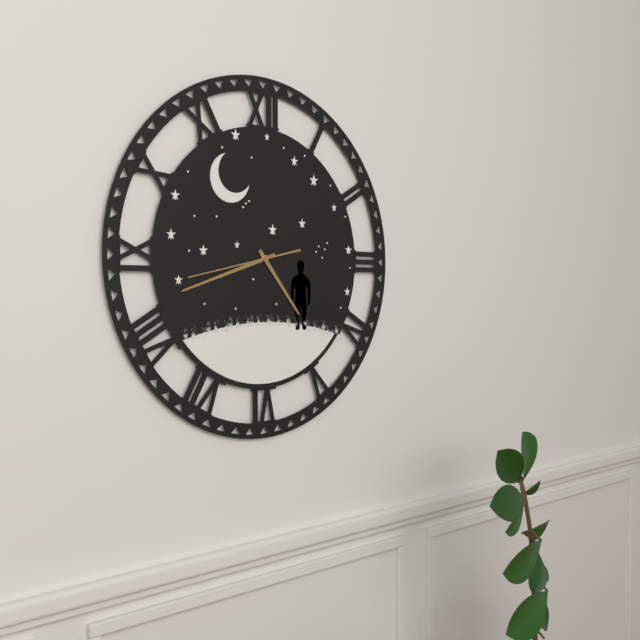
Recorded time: 4:42:43
